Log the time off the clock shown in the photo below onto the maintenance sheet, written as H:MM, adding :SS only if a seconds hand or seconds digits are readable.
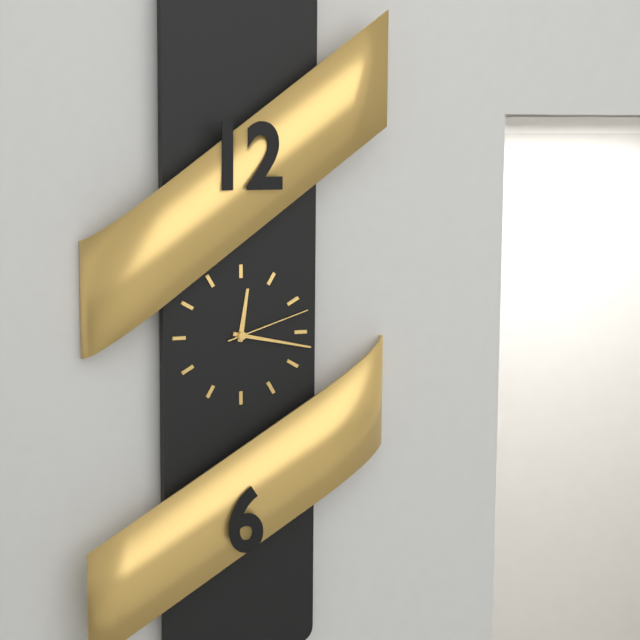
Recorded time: 12:17:12
